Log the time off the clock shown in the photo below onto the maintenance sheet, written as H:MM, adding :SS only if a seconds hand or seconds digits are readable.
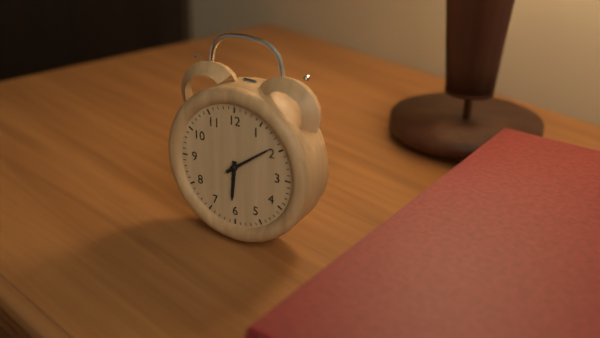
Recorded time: 6:09
